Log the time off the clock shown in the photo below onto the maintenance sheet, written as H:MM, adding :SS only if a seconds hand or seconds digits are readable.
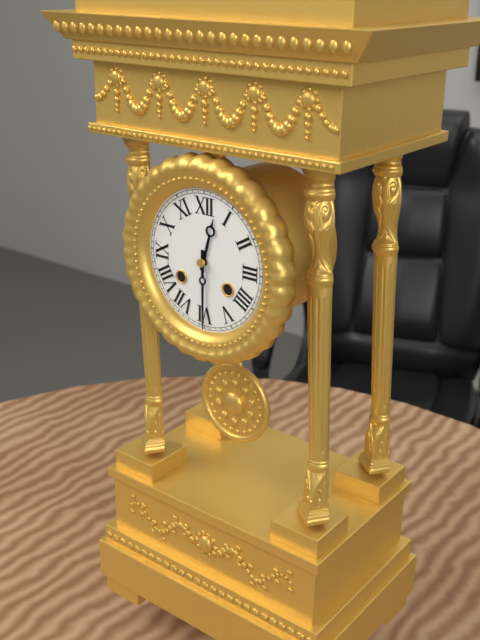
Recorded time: 12:30
